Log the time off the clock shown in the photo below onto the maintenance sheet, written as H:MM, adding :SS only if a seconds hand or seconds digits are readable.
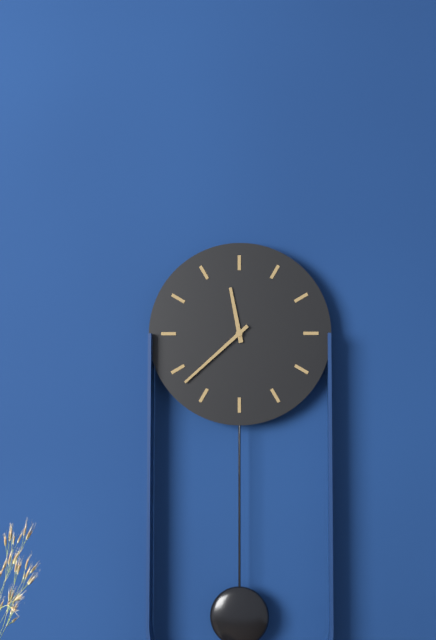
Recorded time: 11:38
